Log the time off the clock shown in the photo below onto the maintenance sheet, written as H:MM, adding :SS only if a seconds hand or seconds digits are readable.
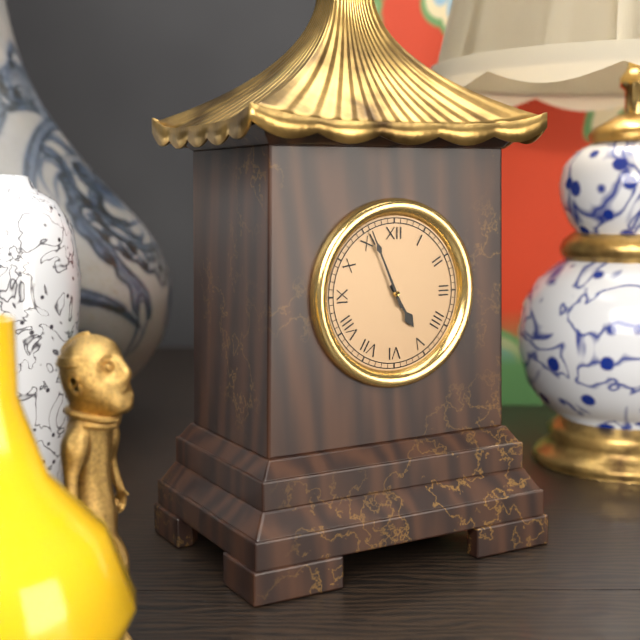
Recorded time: 4:56
